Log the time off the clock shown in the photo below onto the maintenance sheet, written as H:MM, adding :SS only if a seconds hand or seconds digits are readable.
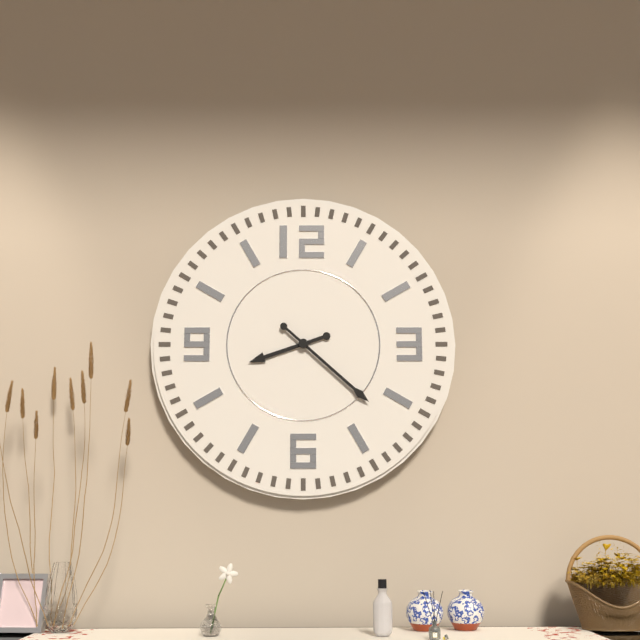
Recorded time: 8:22
